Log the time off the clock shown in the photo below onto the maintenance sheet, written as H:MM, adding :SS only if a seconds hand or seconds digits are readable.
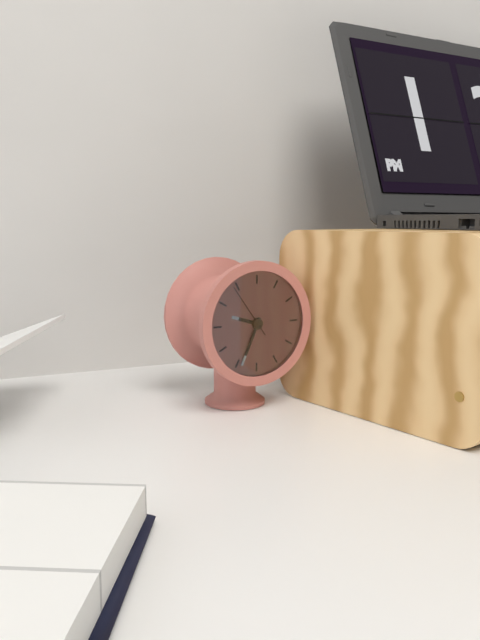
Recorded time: 9:34:54
